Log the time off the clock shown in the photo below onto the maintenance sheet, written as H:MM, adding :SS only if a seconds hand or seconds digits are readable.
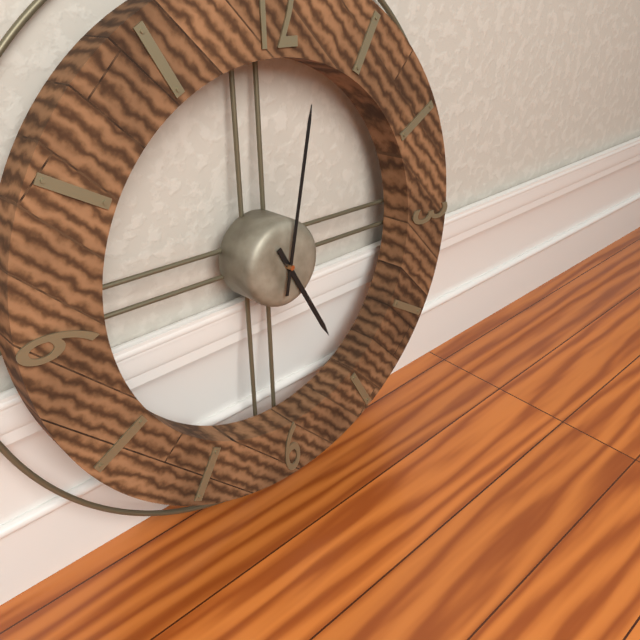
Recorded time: 5:02
